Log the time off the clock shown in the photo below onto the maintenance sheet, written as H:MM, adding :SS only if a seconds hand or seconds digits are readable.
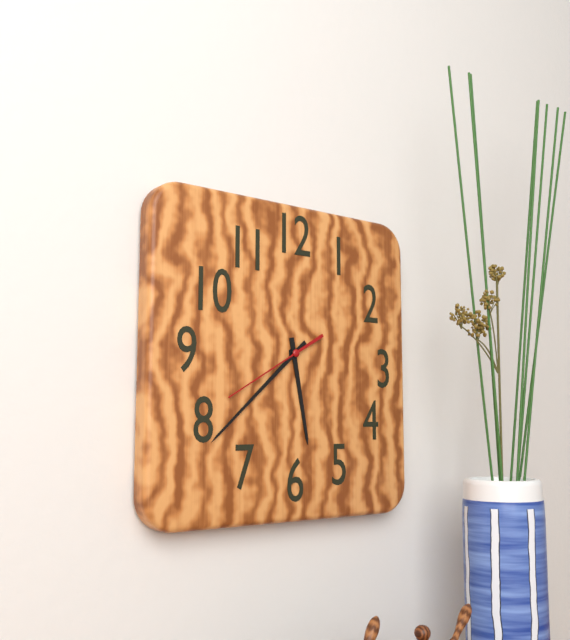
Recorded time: 5:38:40
